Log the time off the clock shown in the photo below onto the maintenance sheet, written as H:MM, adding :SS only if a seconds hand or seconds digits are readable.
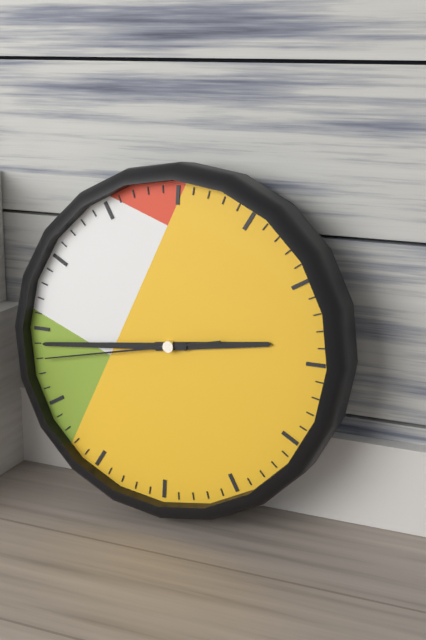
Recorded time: 2:44:43
